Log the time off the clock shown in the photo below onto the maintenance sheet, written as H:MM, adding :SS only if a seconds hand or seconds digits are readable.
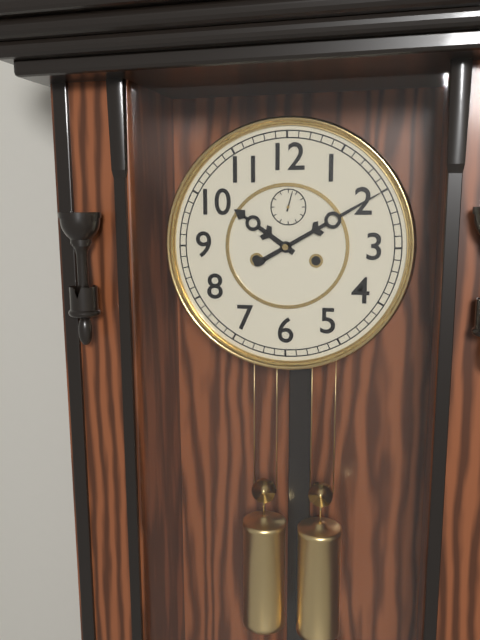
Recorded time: 10:10
